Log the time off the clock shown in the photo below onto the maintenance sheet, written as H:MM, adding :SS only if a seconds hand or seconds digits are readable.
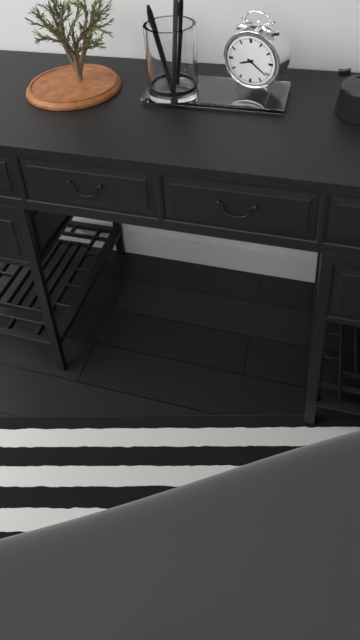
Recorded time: 8:21
